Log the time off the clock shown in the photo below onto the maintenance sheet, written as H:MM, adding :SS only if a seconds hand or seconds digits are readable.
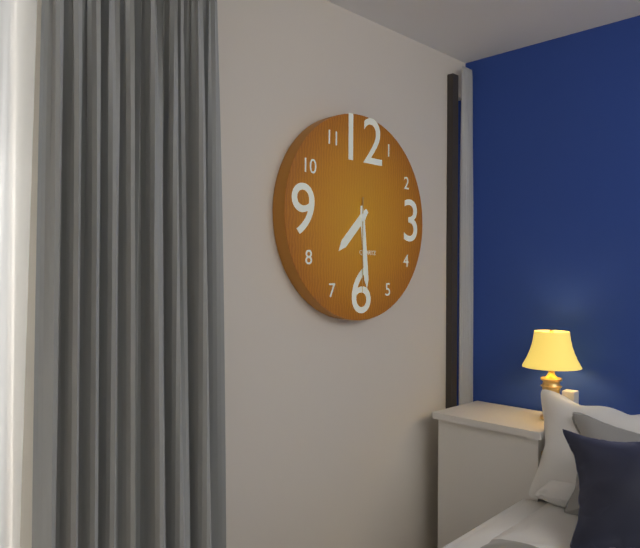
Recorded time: 7:29:30
